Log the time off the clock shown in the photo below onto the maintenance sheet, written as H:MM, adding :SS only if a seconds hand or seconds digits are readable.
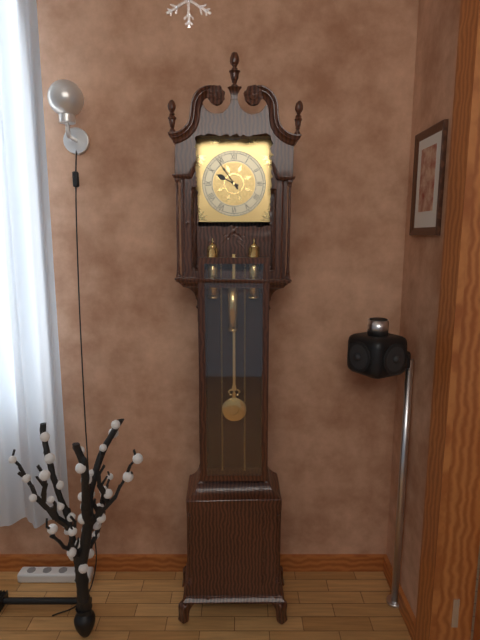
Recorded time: 9:54
